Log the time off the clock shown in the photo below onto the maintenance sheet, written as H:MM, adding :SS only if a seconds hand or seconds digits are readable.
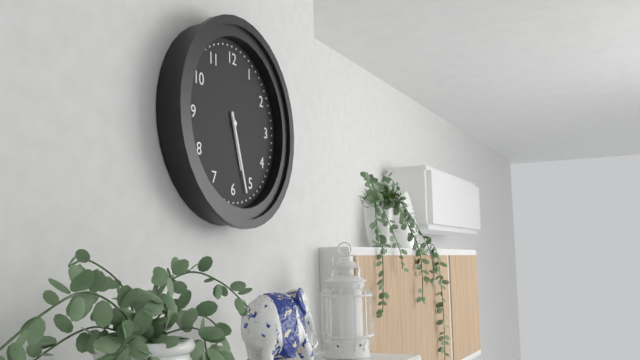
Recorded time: 5:27
